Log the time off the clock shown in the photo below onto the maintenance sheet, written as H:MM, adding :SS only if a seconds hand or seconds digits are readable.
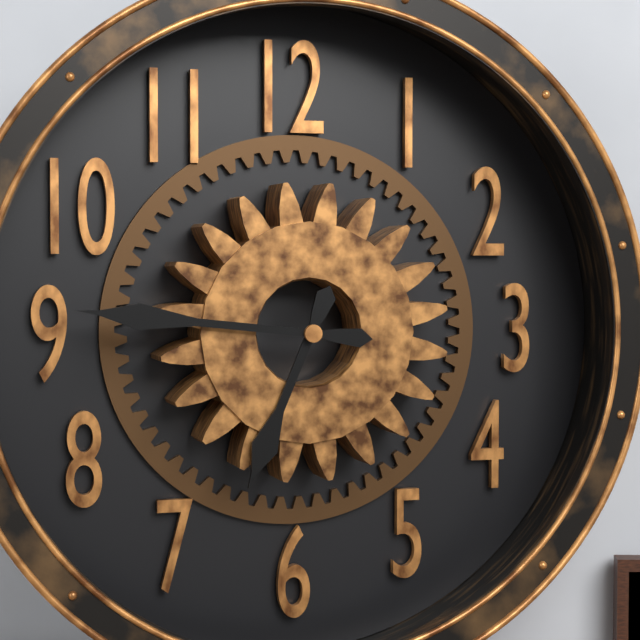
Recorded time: 6:46
